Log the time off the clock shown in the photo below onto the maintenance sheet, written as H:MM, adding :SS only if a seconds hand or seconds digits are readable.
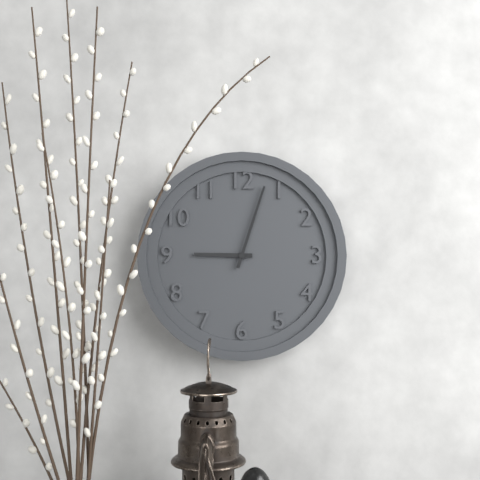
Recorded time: 9:03
